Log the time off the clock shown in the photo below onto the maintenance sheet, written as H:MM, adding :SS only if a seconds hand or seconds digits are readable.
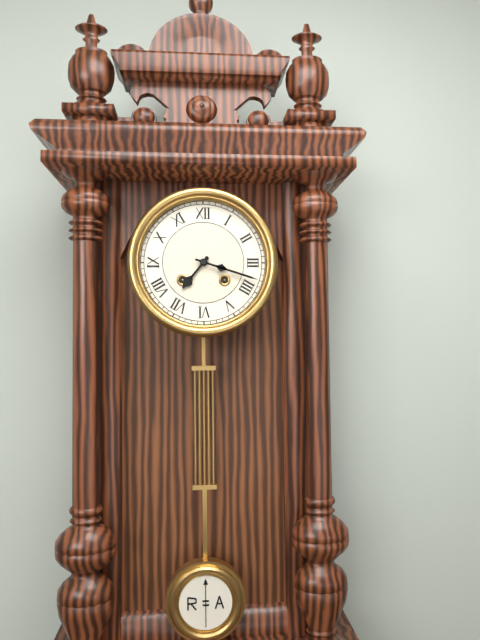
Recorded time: 7:18
